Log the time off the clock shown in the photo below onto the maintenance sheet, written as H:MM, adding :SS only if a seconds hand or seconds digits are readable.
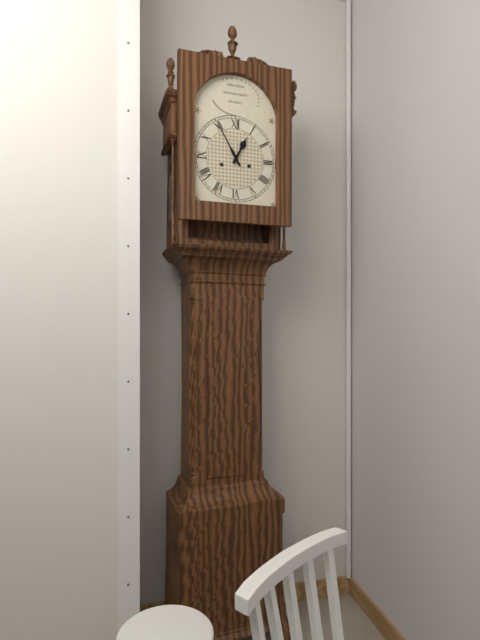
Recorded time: 12:55
